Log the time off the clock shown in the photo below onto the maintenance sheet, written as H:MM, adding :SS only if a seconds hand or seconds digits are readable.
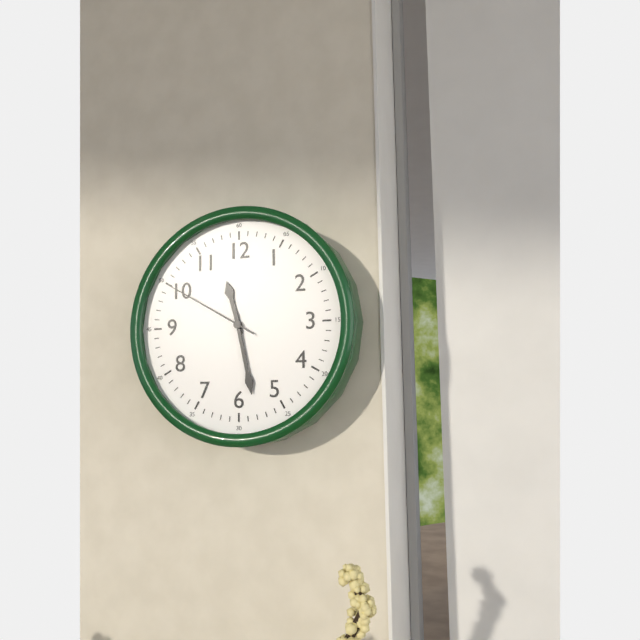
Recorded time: 11:28:50
